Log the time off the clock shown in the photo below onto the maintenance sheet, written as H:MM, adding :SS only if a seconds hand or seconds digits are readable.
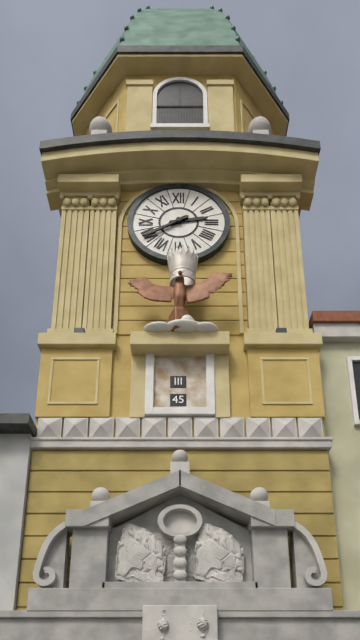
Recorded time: 2:40
